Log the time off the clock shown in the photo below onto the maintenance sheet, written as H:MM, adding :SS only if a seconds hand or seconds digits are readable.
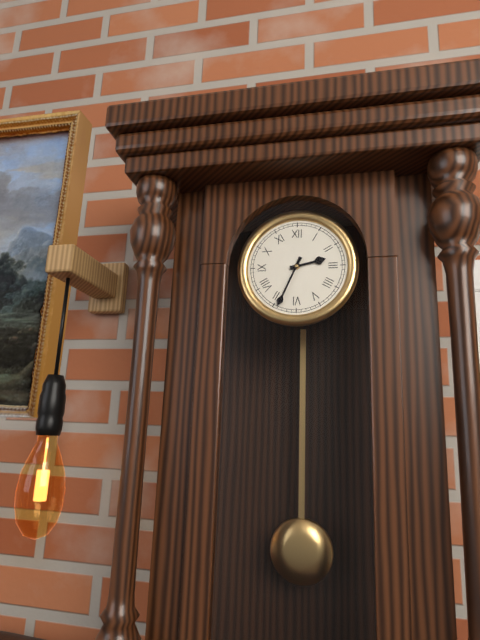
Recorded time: 2:34
